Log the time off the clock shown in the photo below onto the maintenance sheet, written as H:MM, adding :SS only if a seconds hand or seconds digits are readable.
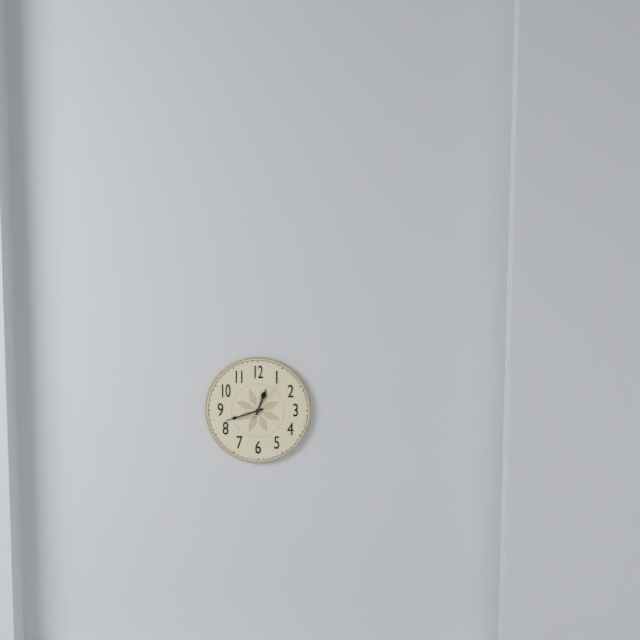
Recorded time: 12:42
